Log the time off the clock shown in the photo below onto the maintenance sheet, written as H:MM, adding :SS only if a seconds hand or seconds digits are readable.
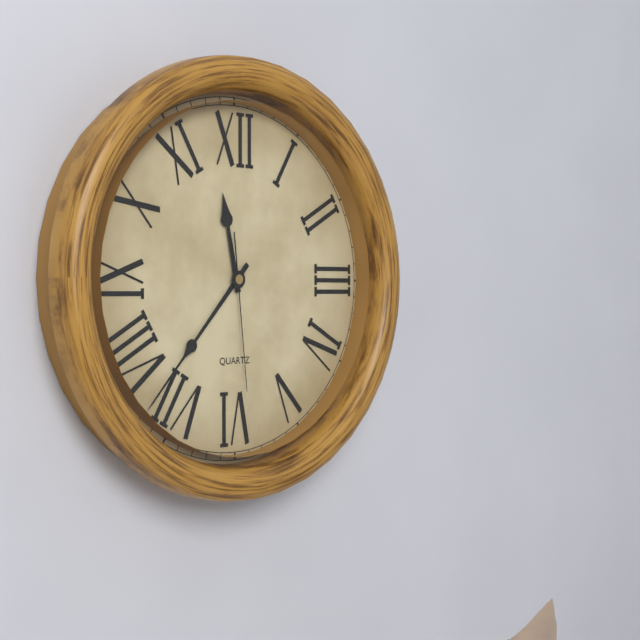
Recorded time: 11:37:29
